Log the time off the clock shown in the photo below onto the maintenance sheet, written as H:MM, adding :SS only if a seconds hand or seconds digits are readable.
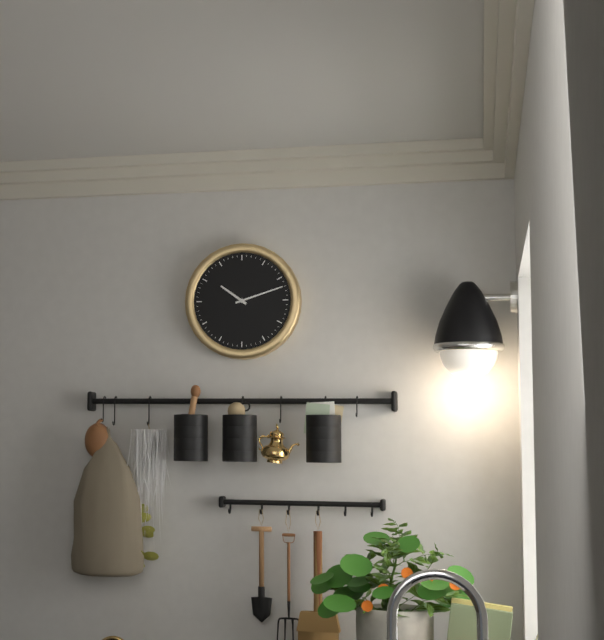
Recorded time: 10:12
